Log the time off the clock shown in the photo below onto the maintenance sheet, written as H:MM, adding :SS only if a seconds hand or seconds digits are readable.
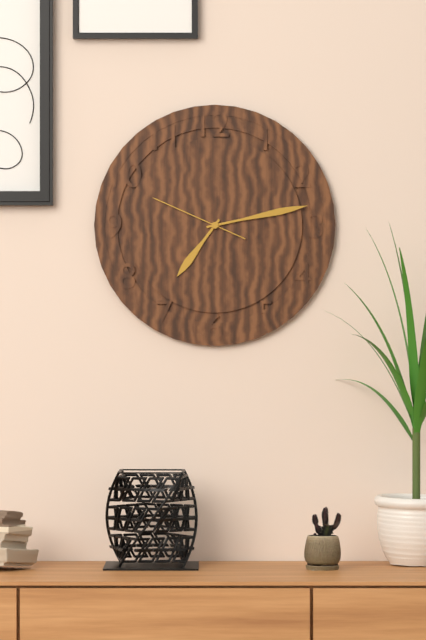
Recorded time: 7:13:49
